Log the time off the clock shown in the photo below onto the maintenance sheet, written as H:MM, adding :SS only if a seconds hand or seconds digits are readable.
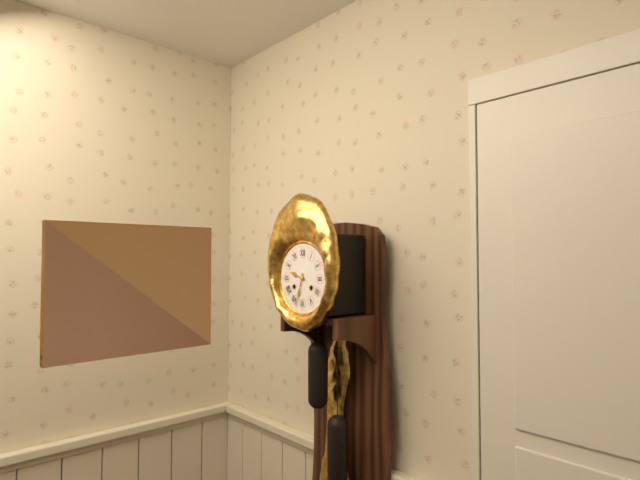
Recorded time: 9:33
